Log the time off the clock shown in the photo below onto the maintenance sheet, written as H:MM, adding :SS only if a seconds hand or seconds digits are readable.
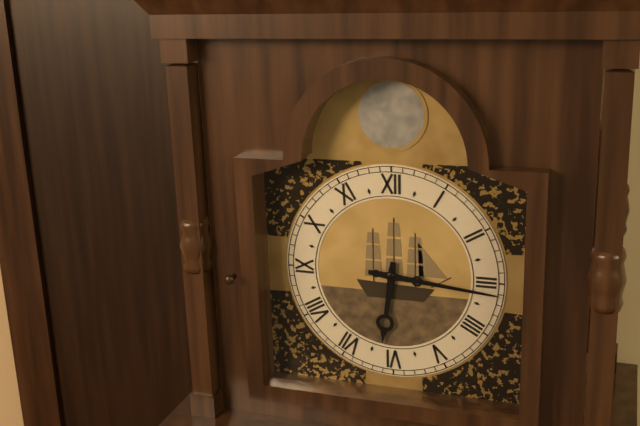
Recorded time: 6:16
